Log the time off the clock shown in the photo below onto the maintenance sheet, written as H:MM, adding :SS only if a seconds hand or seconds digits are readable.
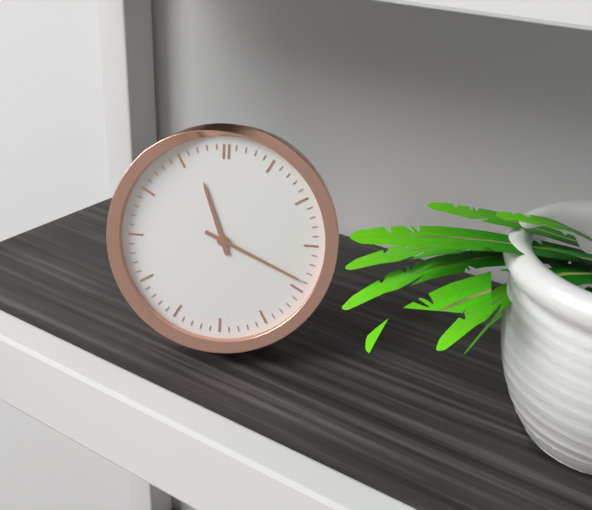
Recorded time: 11:19
